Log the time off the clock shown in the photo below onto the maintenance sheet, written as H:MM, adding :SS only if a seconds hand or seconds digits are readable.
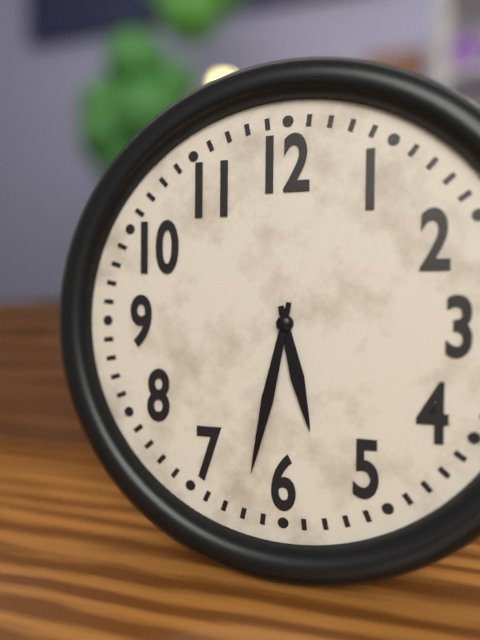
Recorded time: 5:32
